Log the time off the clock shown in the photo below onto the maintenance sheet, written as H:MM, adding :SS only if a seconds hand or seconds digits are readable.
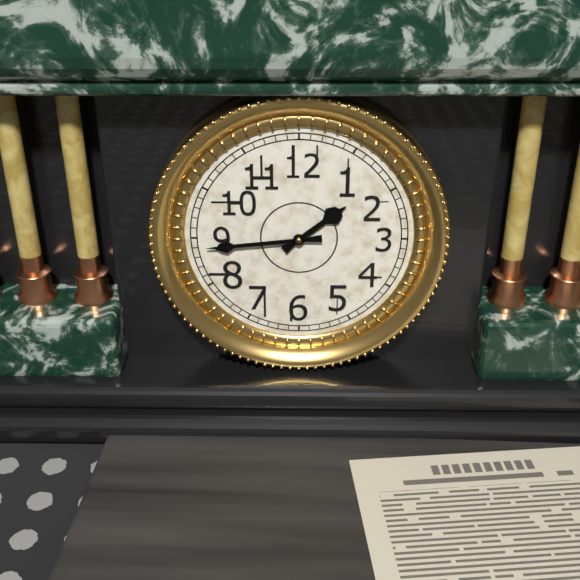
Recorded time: 1:44
